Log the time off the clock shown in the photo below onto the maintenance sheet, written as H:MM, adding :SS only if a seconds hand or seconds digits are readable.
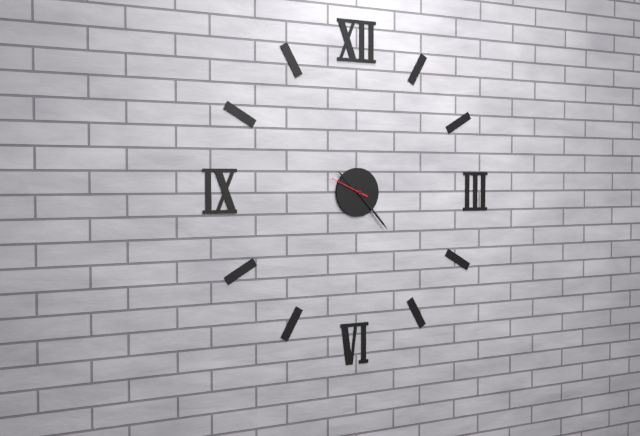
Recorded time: 10:23
